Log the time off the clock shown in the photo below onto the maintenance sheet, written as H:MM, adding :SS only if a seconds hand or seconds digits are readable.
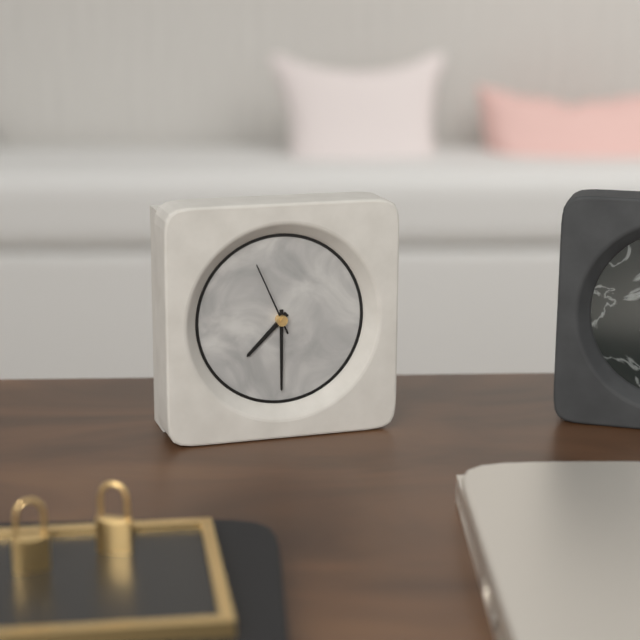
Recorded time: 7:30:56
